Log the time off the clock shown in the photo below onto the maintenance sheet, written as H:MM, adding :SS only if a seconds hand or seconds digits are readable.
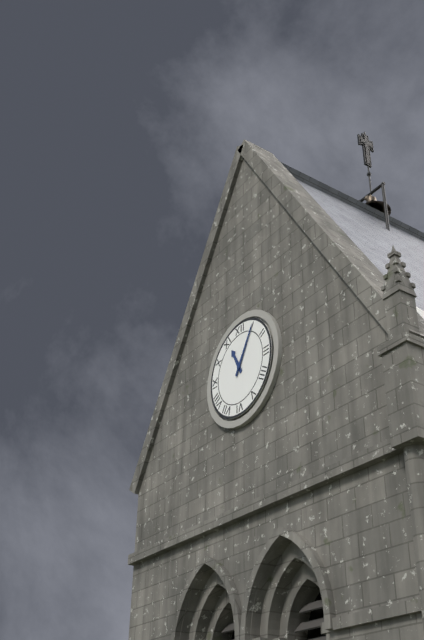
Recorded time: 11:05
